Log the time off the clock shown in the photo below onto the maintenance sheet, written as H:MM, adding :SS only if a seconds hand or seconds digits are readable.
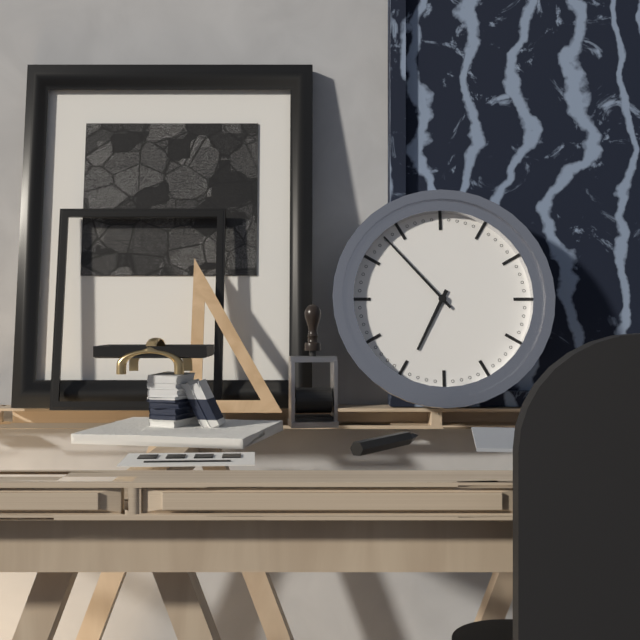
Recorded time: 6:53
